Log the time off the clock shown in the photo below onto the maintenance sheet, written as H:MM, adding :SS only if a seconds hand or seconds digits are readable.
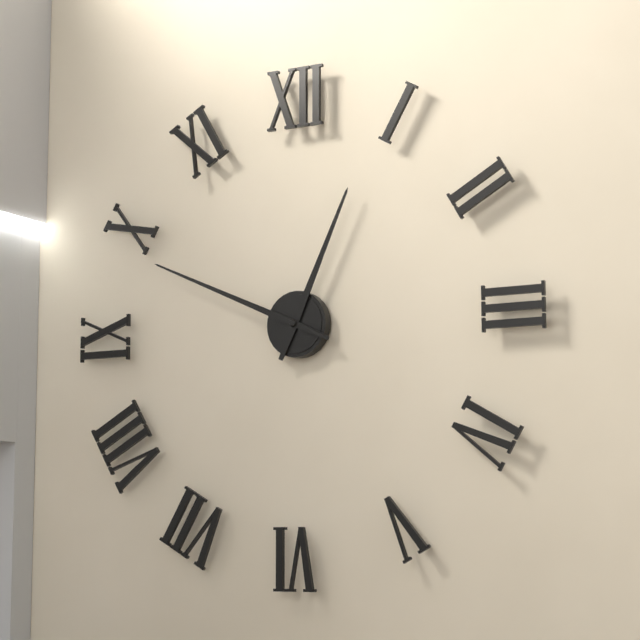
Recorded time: 12:49
